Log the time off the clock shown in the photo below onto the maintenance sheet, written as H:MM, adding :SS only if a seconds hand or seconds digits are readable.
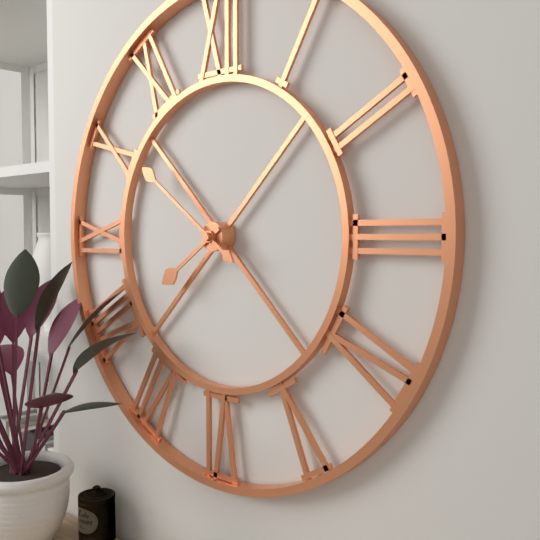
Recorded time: 7:51
